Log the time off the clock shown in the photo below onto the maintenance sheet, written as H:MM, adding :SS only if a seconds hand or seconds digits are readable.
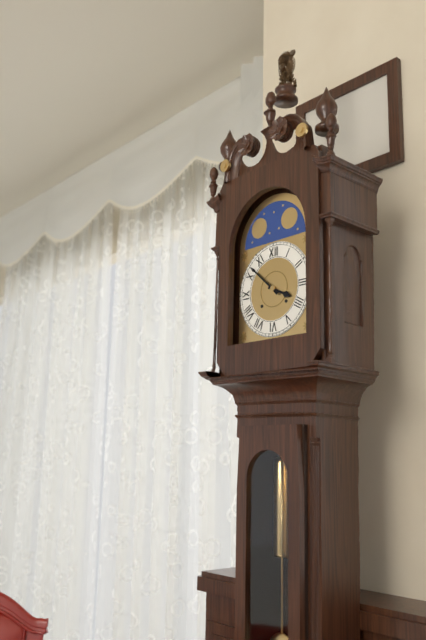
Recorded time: 3:52
